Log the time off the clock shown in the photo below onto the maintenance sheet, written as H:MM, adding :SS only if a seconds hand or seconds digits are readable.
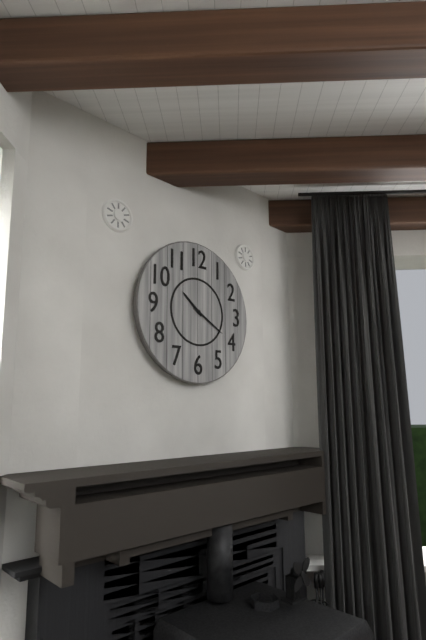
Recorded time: 10:20
